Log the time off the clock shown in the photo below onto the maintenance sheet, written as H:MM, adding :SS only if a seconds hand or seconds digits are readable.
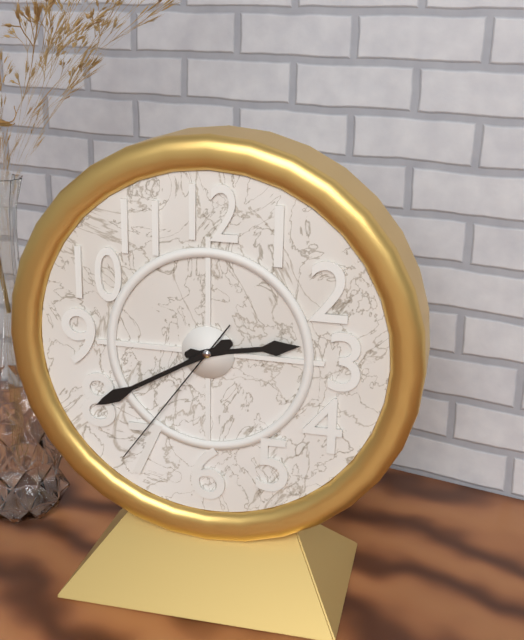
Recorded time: 2:40:36
